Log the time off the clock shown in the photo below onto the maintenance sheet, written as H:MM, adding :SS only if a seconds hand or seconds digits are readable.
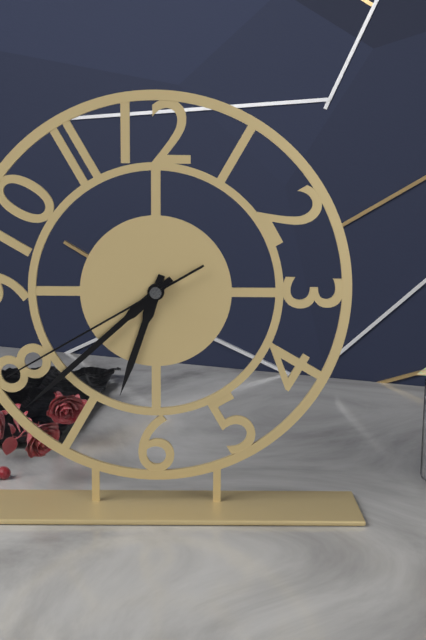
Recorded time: 6:38:40
